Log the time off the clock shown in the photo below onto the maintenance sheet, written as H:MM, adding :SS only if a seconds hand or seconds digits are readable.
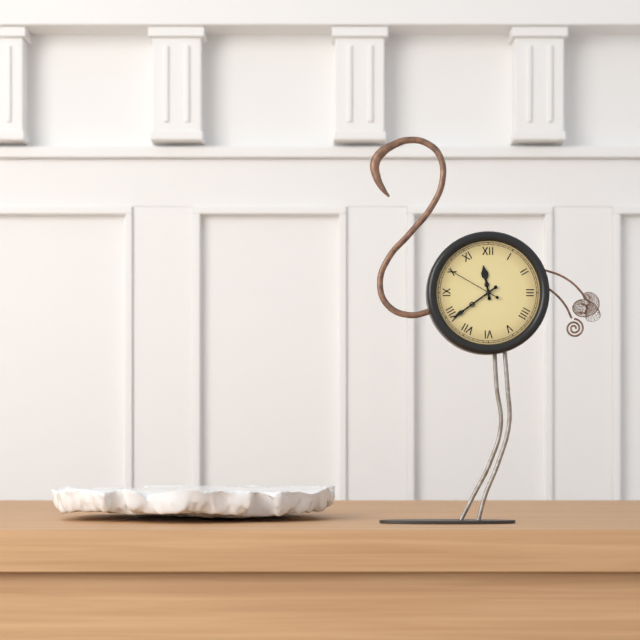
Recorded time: 11:39:50
